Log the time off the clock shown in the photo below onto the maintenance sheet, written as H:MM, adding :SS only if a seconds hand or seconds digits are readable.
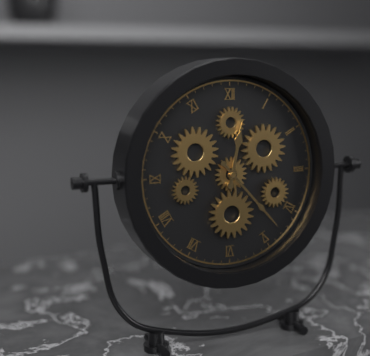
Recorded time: 12:23
